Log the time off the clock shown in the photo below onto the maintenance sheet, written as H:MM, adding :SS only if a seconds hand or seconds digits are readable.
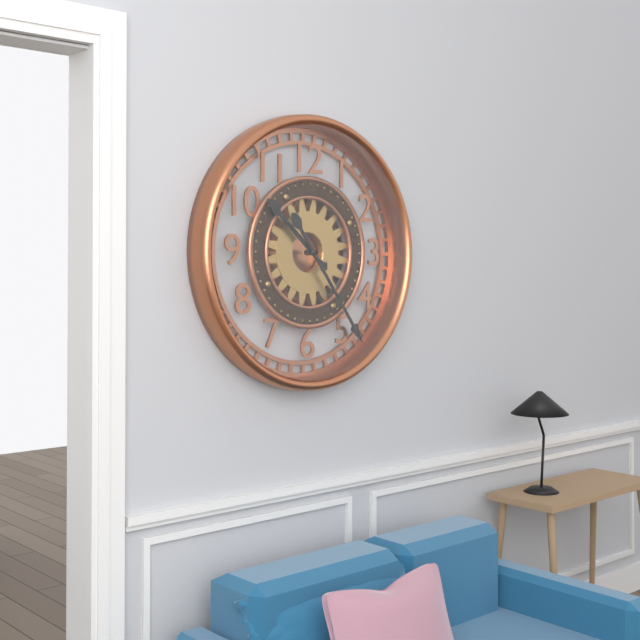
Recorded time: 10:24
